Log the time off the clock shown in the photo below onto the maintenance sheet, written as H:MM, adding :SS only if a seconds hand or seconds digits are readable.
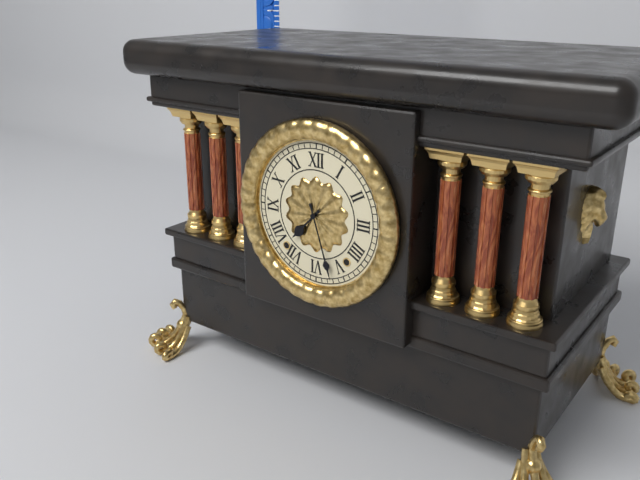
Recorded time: 7:27
